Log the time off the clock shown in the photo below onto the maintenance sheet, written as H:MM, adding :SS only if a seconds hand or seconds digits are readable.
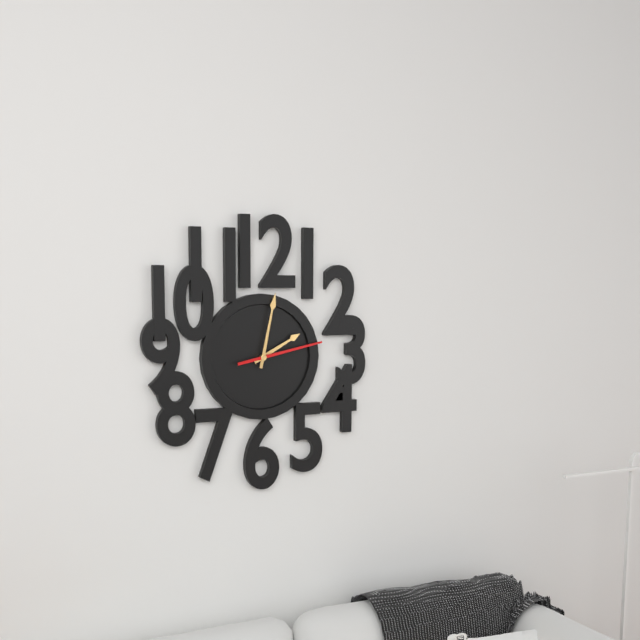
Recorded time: 2:02:13
